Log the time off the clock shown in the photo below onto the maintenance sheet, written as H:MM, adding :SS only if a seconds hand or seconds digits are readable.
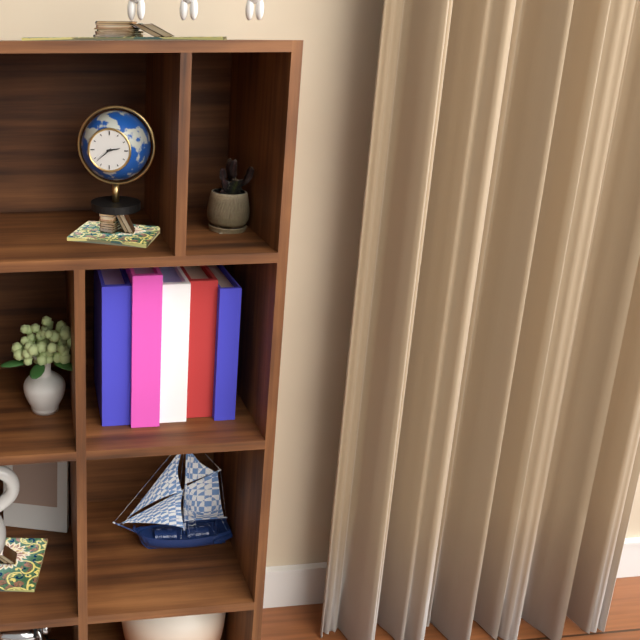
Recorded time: 2:38
